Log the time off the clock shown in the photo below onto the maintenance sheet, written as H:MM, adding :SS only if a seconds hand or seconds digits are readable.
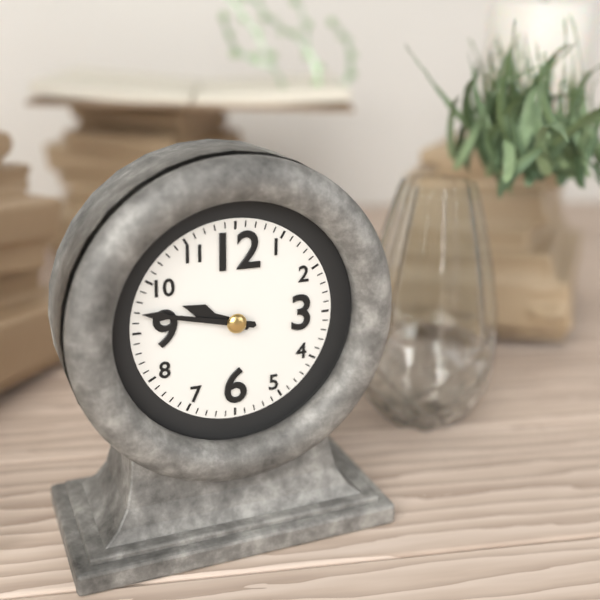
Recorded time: 9:47
